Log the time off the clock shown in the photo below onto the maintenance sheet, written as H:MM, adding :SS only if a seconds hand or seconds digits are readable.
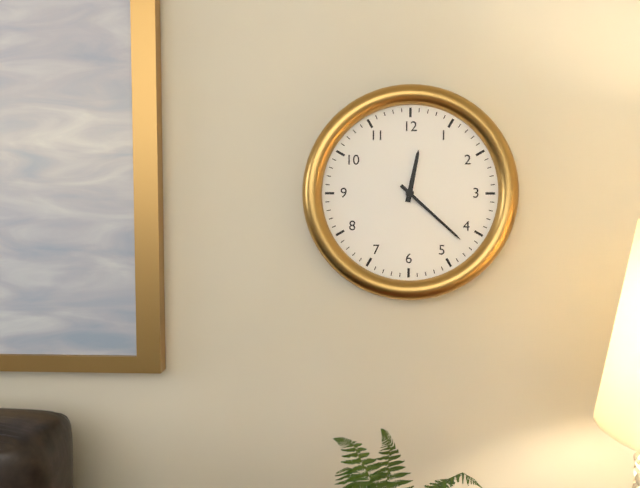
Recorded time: 12:22
